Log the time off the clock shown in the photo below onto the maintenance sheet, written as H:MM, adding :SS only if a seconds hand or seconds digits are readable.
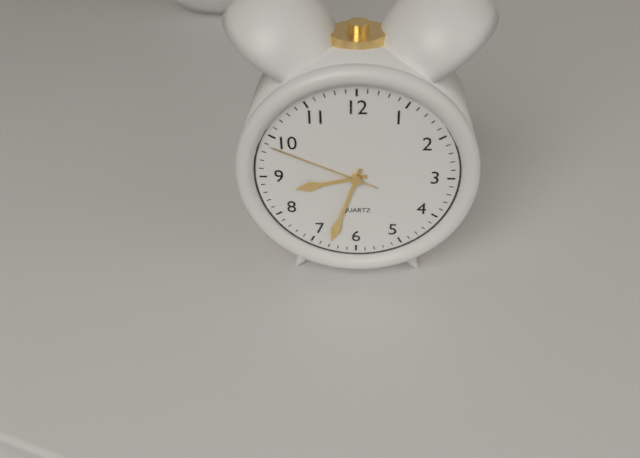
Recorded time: 8:33:49
